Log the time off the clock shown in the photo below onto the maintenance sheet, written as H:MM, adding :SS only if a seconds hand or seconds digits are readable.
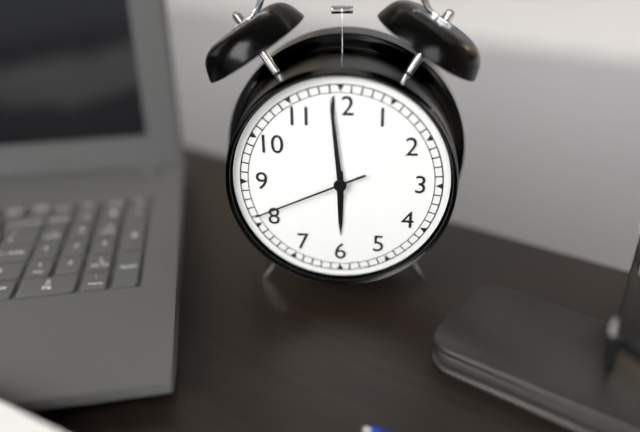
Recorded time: 5:59:41
